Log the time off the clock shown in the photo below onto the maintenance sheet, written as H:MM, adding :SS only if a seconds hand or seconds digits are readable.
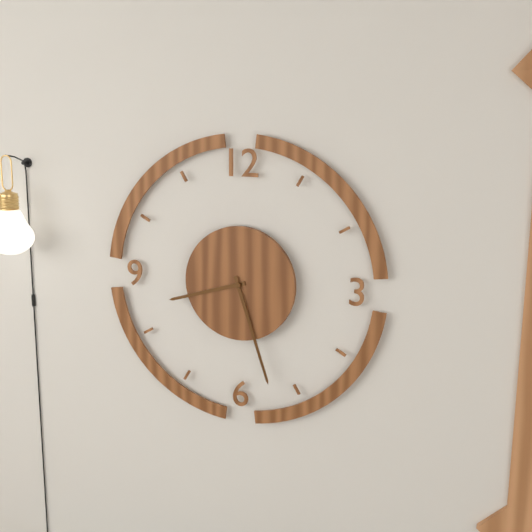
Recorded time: 8:27
